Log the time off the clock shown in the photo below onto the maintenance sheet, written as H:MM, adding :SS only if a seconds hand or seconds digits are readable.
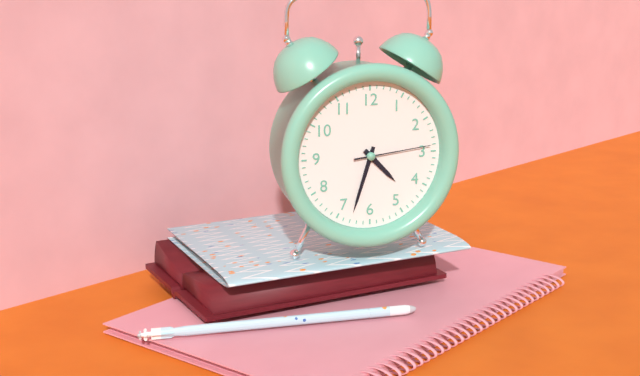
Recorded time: 4:33:14
